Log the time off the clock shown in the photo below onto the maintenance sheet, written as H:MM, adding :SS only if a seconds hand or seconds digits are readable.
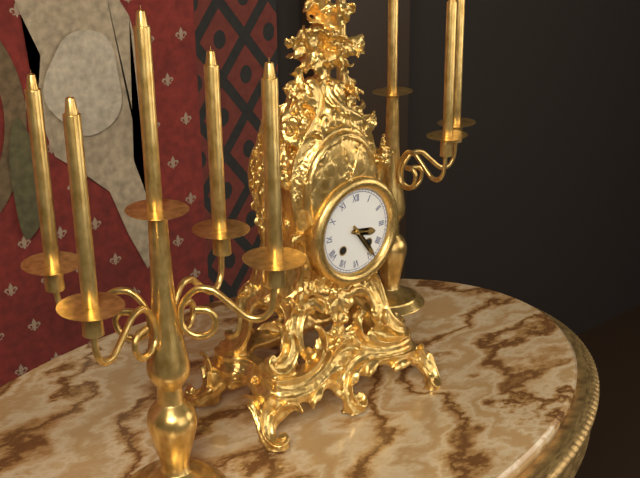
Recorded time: 3:24
